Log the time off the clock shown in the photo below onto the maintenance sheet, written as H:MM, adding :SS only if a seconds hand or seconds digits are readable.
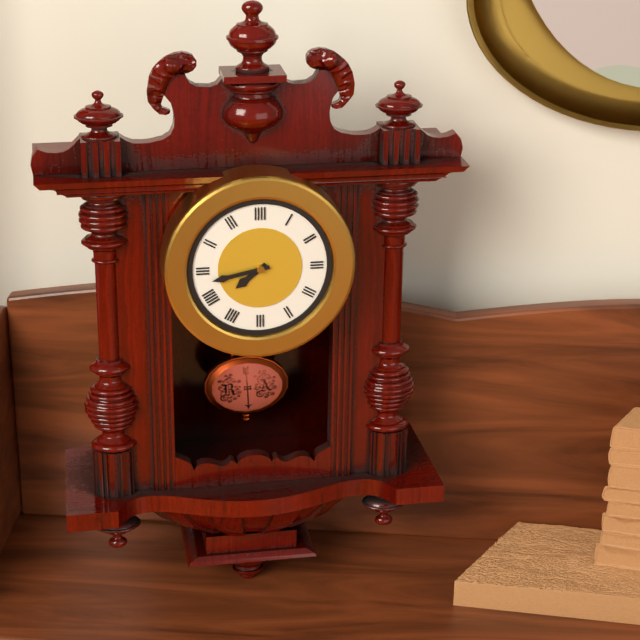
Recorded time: 7:43
